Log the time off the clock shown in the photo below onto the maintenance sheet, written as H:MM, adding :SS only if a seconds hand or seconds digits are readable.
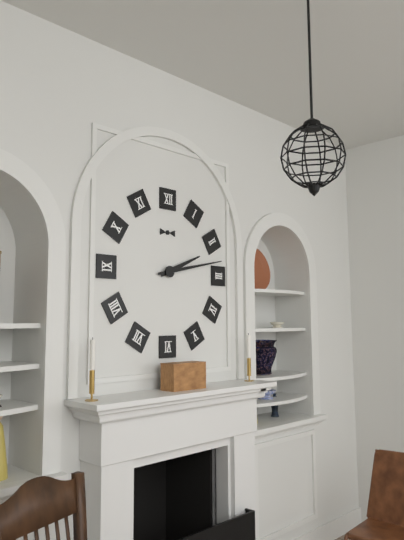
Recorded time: 2:13
